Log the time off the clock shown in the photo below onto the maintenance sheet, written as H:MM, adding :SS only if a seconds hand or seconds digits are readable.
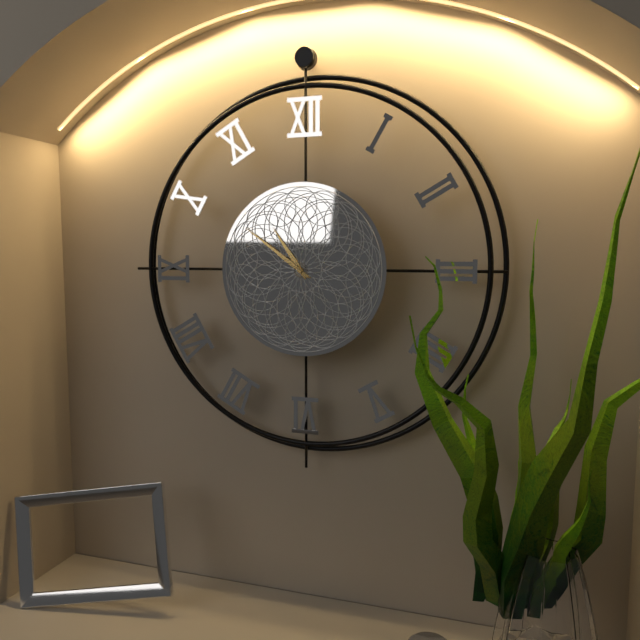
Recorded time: 10:51
